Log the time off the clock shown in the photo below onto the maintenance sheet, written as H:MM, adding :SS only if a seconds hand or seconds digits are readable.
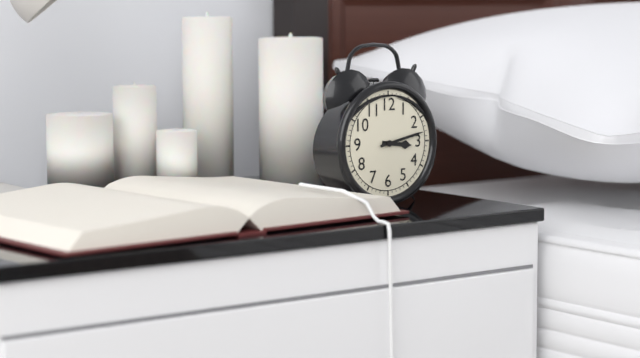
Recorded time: 3:13
